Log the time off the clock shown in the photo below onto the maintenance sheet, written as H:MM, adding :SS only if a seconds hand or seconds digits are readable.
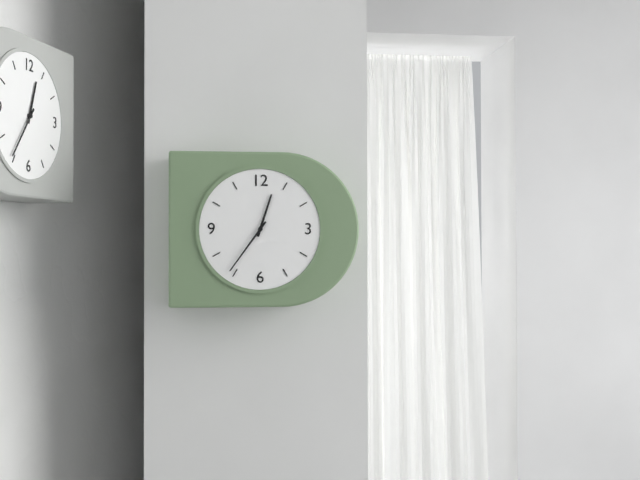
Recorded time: 12:36
